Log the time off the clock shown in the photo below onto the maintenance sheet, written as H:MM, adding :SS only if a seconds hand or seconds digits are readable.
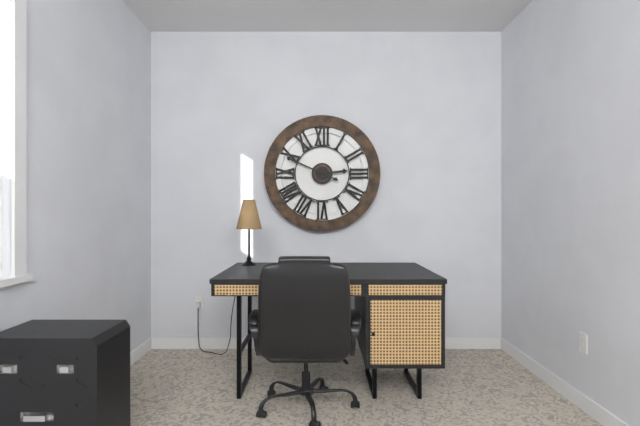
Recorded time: 2:49
